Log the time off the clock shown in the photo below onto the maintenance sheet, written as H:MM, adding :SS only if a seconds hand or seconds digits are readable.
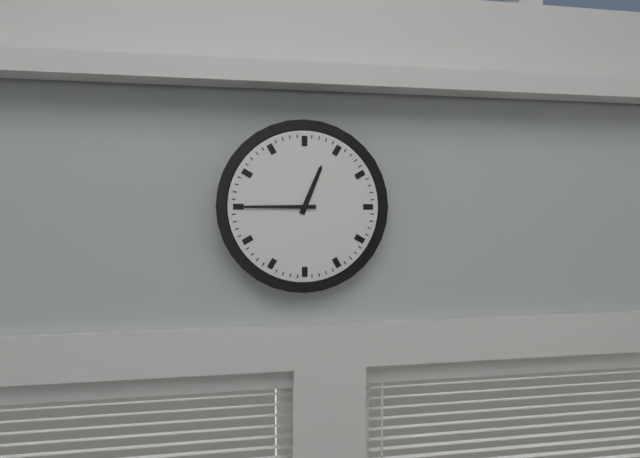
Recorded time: 12:45
